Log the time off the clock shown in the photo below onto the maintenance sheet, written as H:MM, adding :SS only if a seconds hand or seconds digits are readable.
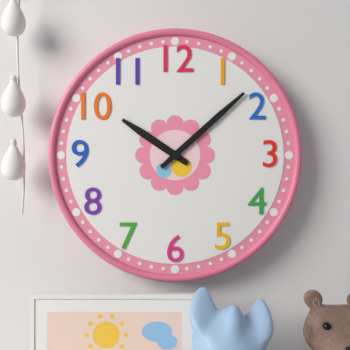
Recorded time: 10:08
